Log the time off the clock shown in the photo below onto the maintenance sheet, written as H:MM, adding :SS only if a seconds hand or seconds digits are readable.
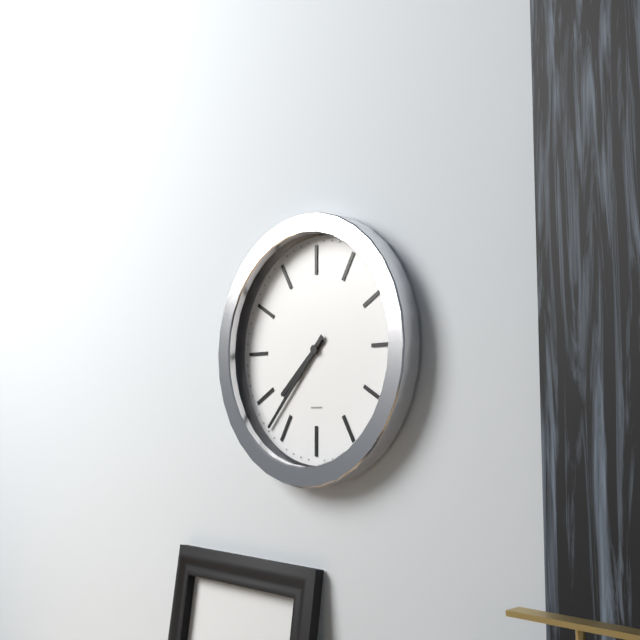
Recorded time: 7:37
